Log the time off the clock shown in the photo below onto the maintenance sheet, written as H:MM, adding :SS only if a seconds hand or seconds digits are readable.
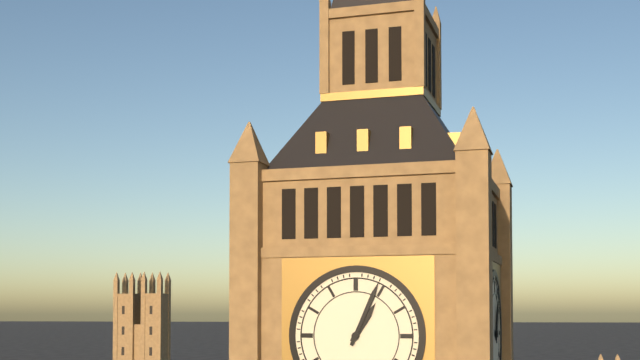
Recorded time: 1:04
